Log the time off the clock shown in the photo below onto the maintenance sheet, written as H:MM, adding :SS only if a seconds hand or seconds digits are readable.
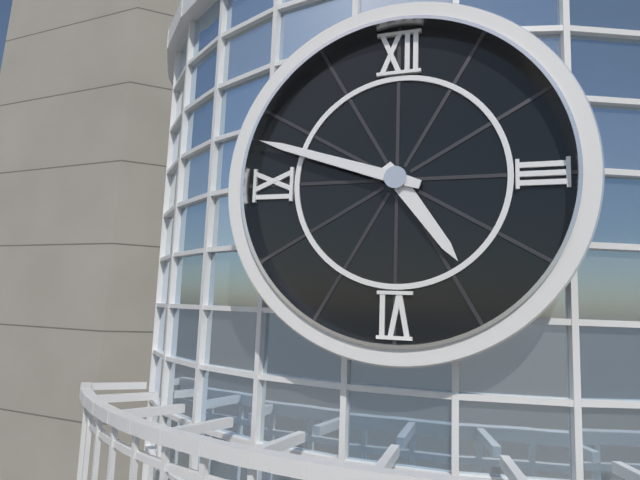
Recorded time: 4:48
